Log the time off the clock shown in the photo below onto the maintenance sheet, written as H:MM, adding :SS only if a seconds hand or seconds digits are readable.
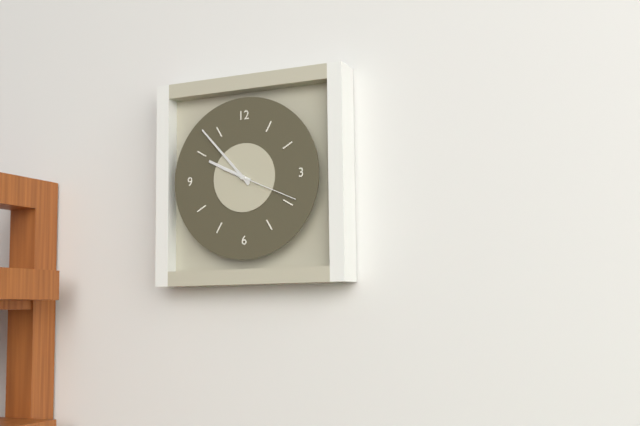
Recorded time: 9:53:19
